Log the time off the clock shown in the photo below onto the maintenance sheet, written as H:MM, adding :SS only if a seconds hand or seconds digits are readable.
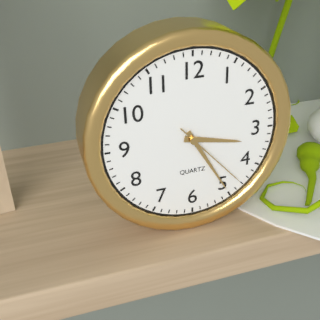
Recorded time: 3:25:23
